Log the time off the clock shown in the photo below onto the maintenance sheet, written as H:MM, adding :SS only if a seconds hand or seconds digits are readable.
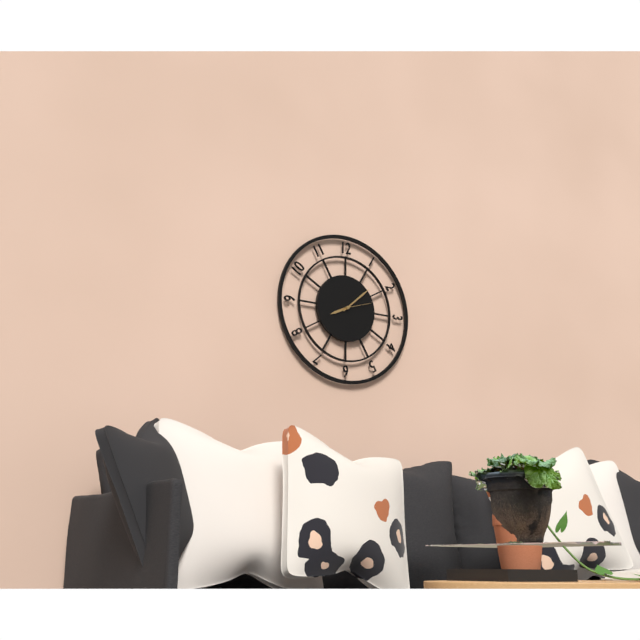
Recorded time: 8:08
